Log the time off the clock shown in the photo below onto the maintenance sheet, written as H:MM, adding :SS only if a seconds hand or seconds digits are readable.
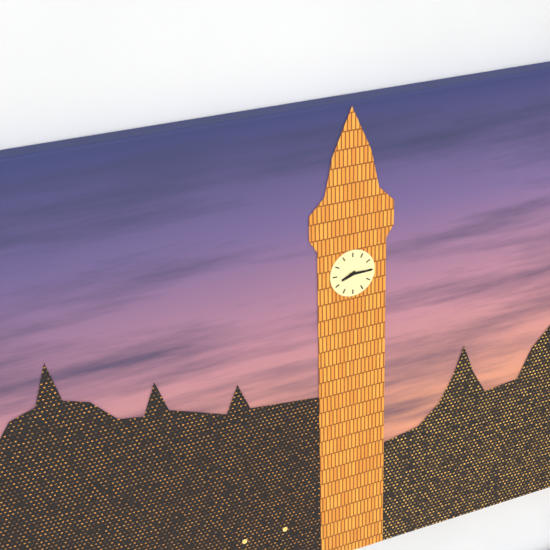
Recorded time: 8:15
